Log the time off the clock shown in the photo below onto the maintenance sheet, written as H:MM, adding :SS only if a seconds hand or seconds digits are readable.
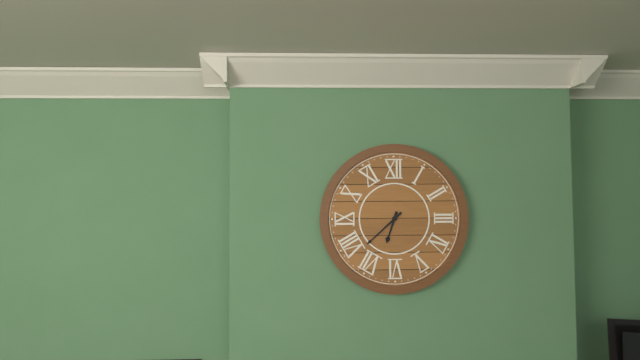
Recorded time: 6:38
